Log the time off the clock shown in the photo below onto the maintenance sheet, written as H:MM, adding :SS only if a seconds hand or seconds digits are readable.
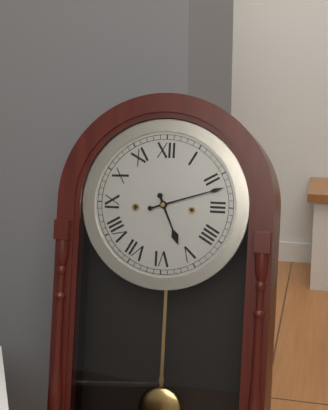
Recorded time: 5:12
